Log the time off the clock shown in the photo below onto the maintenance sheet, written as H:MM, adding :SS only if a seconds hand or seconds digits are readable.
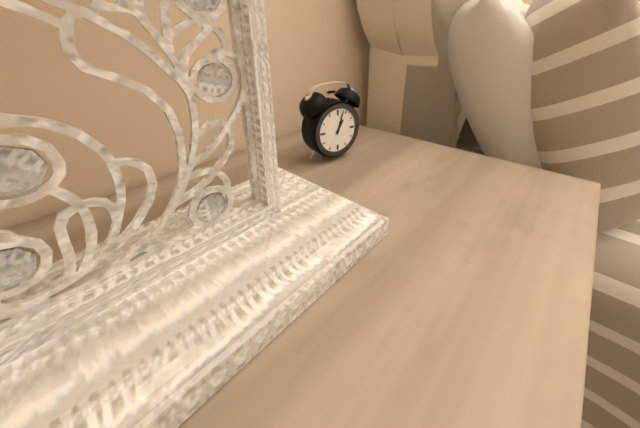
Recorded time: 1:03
